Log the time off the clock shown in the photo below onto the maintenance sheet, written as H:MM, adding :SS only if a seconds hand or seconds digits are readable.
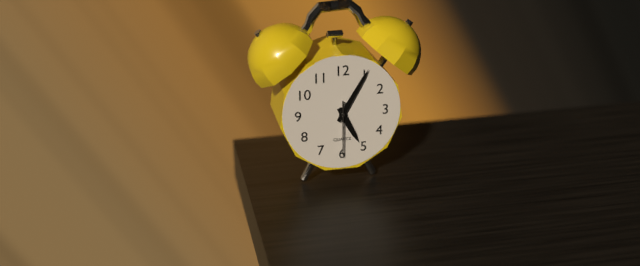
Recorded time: 5:05:30
